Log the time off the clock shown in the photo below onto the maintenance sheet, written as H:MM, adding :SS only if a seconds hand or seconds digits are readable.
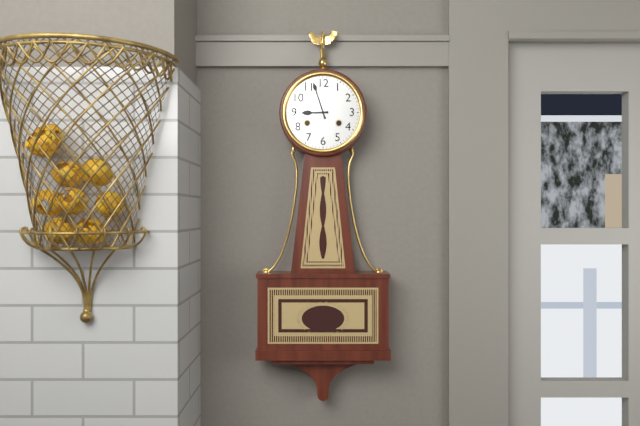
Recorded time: 8:57
